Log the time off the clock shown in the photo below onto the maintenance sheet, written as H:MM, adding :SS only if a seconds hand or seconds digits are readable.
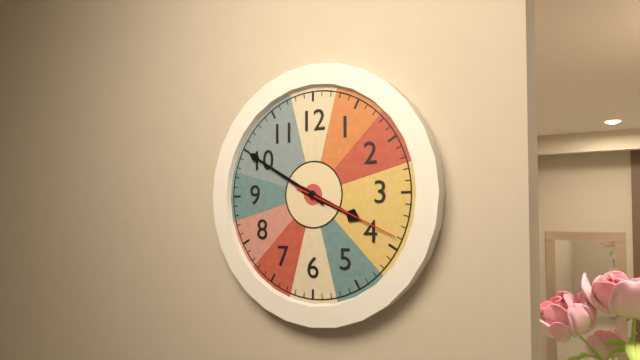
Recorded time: 3:50:19
